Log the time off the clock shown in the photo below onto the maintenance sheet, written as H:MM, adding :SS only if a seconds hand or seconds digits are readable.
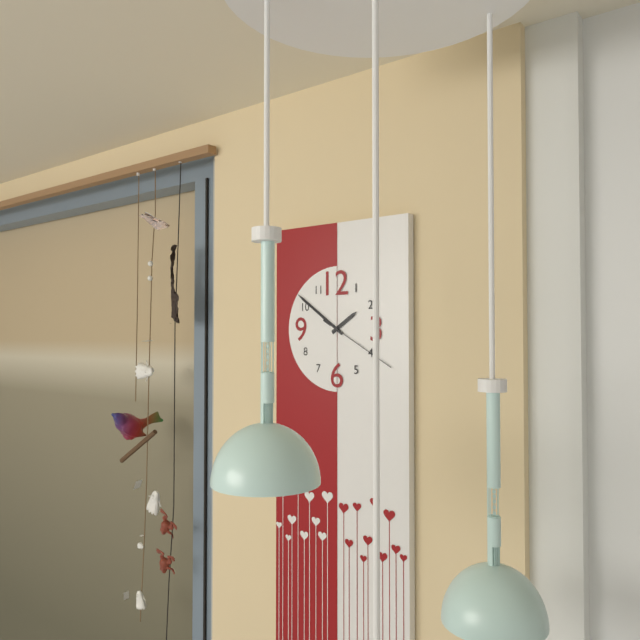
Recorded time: 1:51:20
